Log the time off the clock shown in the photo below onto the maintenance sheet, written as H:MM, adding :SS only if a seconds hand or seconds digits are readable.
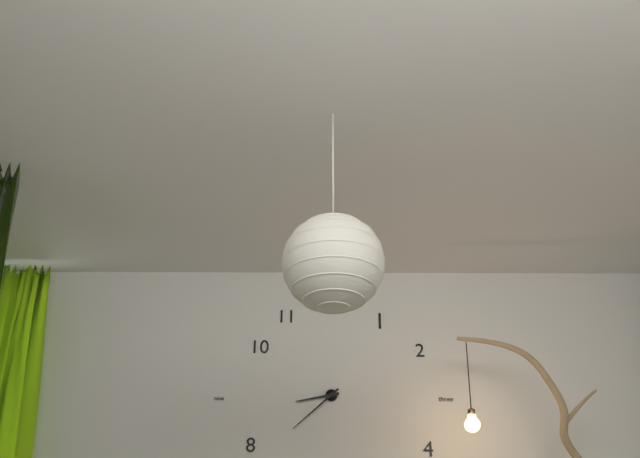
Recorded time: 8:38
